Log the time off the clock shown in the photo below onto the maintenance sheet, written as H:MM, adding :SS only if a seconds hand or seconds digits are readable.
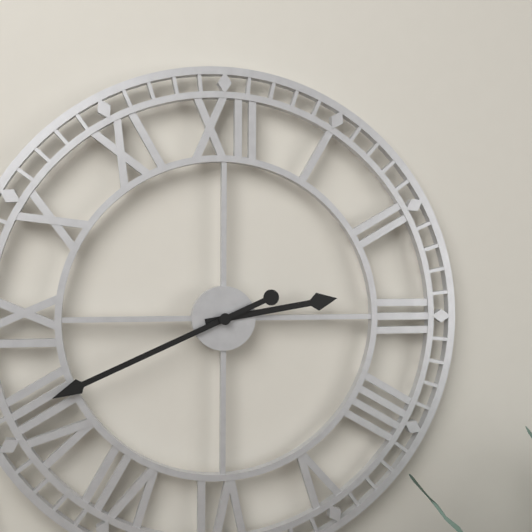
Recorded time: 2:41
